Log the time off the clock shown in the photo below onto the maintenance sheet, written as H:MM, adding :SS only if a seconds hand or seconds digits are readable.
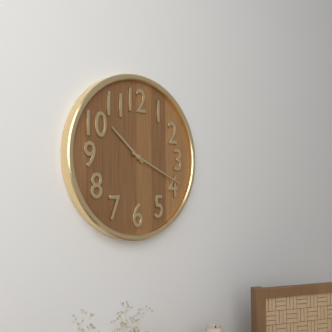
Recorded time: 10:19
